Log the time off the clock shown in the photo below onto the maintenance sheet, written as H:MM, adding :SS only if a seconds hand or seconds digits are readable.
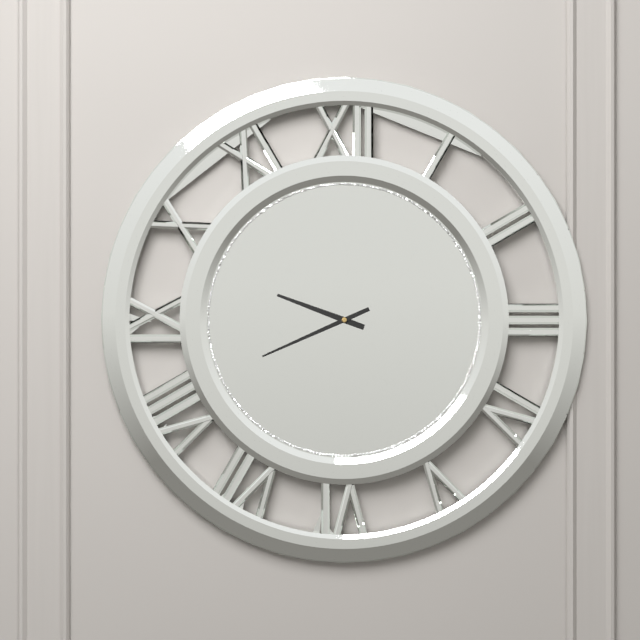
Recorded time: 9:41
